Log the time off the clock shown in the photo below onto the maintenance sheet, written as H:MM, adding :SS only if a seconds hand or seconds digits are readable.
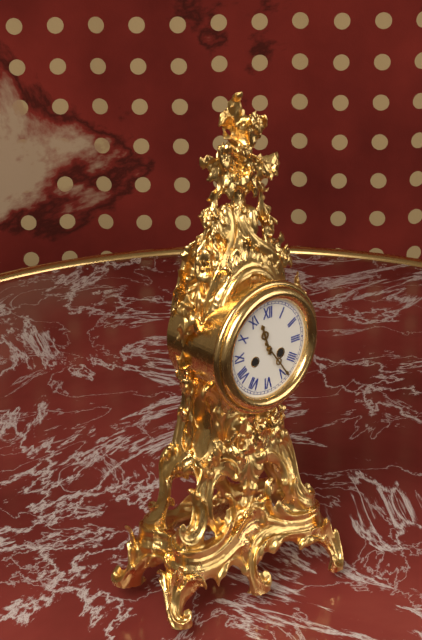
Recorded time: 11:24
